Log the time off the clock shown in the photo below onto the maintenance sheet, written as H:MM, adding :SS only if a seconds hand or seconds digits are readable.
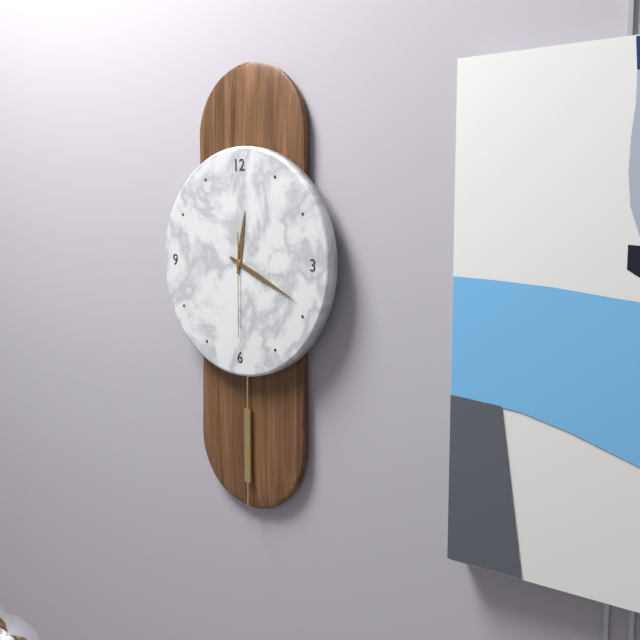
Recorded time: 12:19:30
